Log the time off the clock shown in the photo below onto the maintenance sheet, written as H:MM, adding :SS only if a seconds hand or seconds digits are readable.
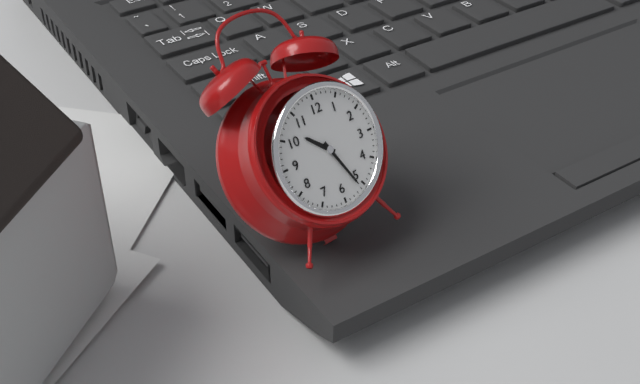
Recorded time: 10:26
